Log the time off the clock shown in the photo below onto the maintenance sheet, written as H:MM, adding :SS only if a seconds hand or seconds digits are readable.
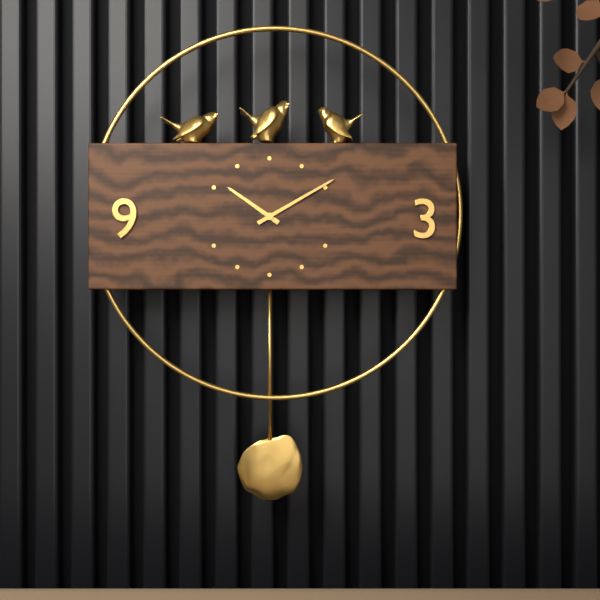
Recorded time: 10:10
